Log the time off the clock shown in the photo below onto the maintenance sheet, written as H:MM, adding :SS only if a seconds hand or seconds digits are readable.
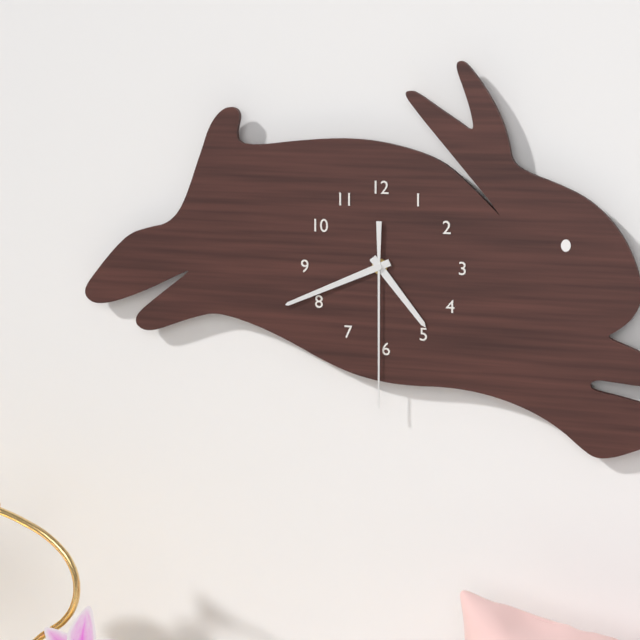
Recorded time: 4:41:30
